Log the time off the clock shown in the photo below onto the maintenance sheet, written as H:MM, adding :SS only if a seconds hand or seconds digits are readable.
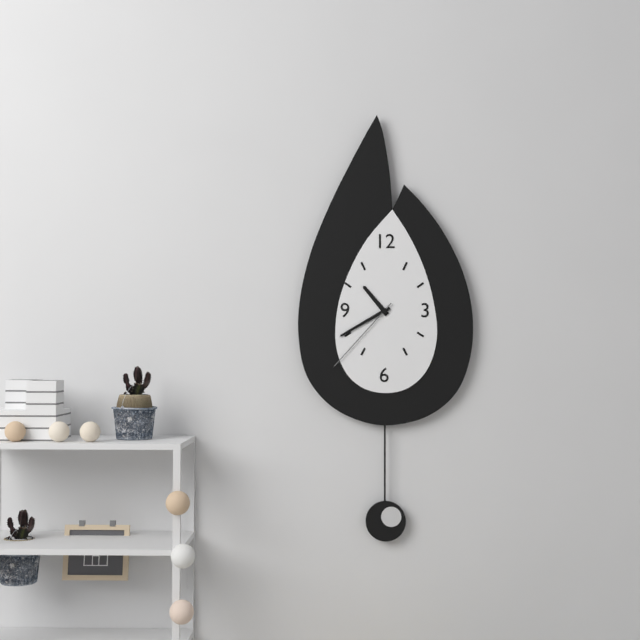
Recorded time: 10:40:37
